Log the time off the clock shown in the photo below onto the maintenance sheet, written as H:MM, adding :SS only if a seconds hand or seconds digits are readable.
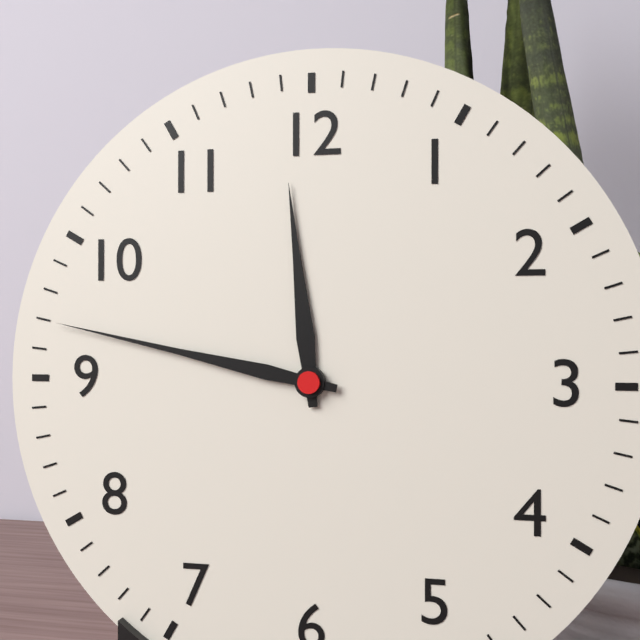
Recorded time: 11:47
